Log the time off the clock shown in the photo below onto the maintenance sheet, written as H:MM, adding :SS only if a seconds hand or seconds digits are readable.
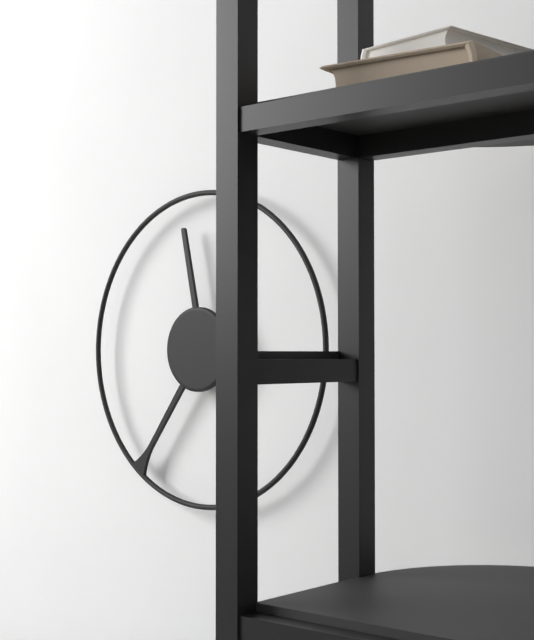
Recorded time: 11:36
